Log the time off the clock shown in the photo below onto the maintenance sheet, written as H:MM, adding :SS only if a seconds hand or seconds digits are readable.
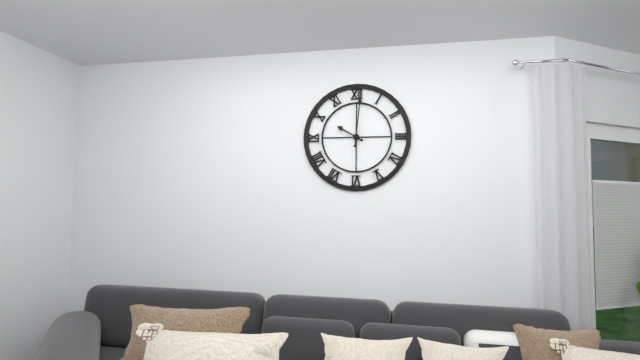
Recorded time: 10:01
